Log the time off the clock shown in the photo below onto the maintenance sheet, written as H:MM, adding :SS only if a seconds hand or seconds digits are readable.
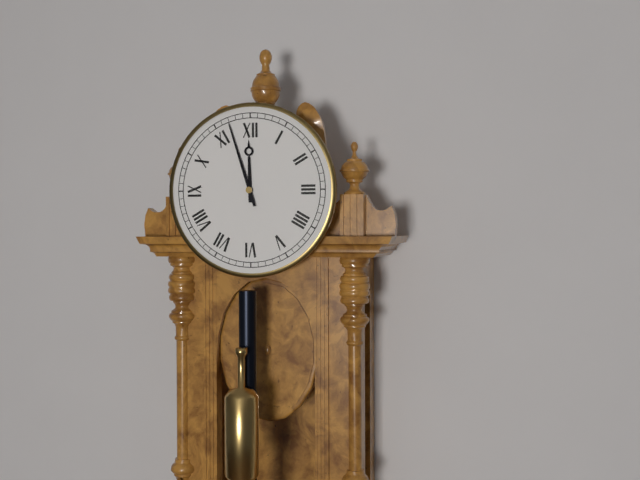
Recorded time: 11:57
